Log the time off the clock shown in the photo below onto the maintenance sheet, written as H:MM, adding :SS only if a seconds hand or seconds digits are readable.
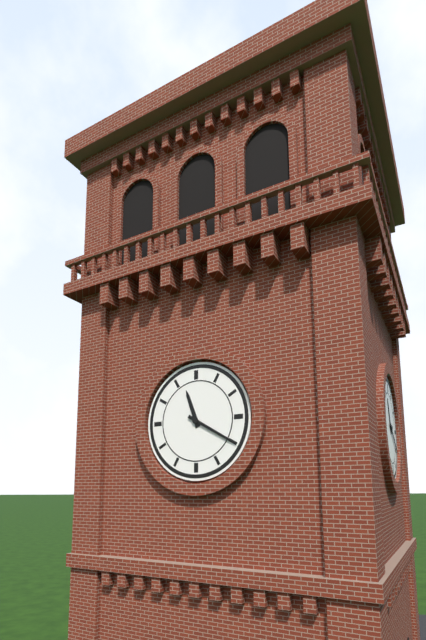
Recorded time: 11:20
